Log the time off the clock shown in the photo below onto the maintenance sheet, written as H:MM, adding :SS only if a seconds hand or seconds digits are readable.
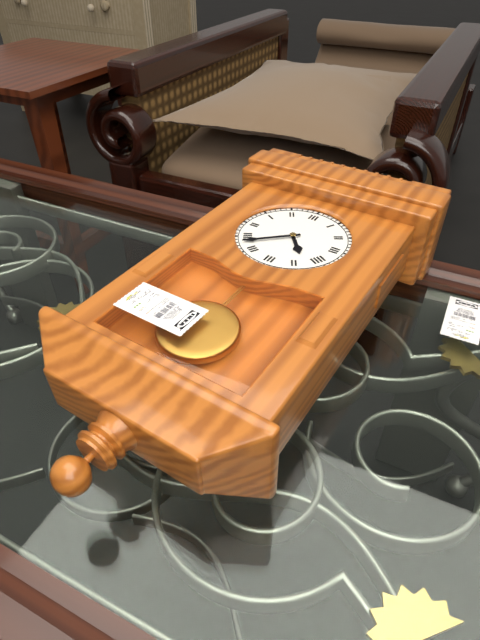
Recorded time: 4:38
